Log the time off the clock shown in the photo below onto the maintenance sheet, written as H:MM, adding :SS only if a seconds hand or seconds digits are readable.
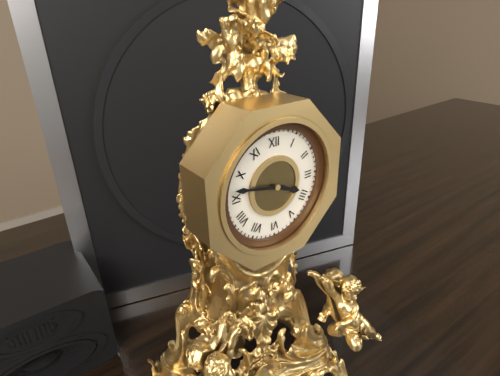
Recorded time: 3:47
